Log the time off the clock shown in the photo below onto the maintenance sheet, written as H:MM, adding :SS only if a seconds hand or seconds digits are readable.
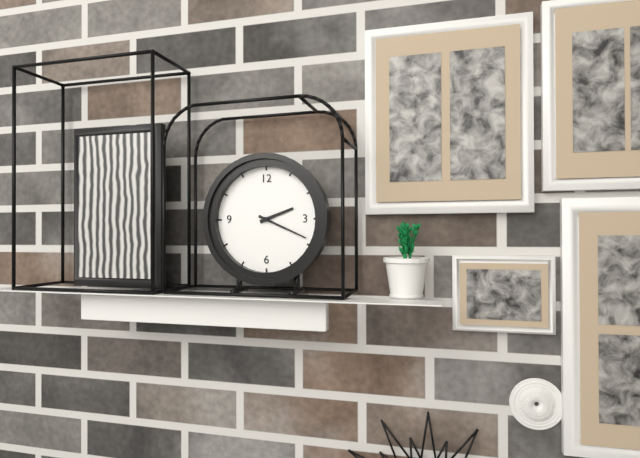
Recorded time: 2:19
